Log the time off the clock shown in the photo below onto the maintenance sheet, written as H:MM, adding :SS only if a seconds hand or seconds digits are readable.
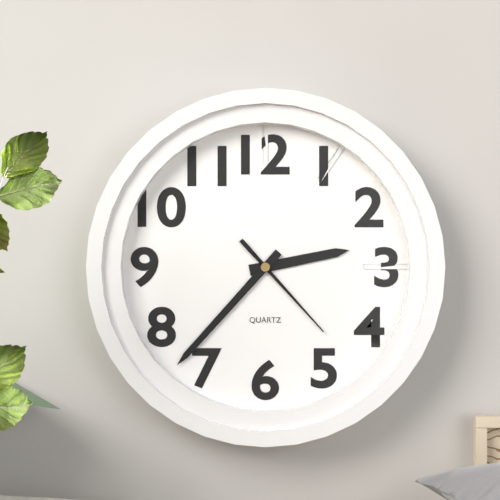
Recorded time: 2:37:23
